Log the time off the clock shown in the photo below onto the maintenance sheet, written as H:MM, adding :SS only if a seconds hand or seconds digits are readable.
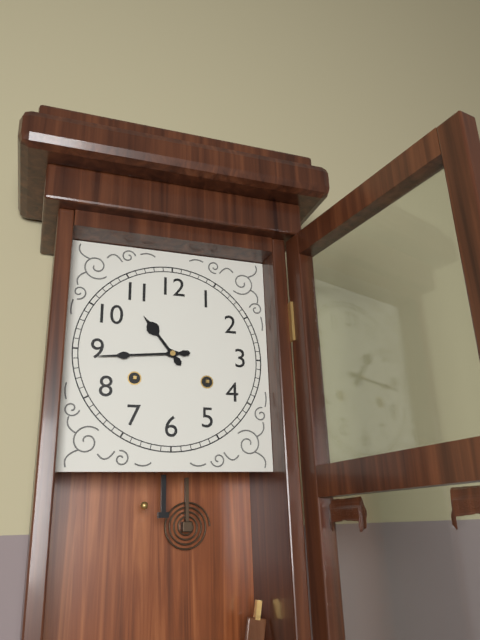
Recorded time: 10:44
